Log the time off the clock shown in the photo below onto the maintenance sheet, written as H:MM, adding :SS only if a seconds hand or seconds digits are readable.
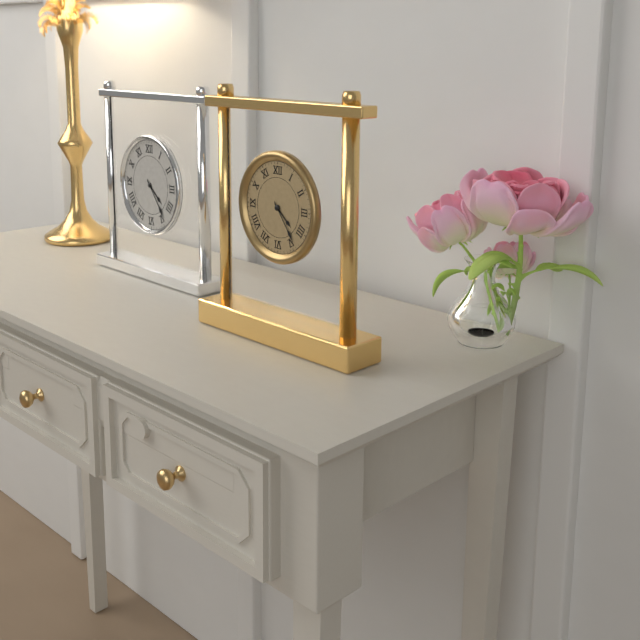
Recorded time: 4:24
